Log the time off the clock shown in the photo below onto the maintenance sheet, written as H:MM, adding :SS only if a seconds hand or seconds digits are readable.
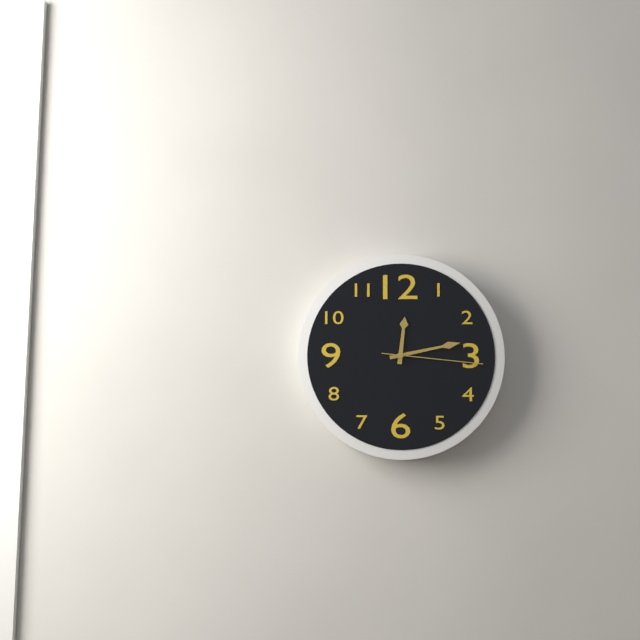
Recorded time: 12:13:16
